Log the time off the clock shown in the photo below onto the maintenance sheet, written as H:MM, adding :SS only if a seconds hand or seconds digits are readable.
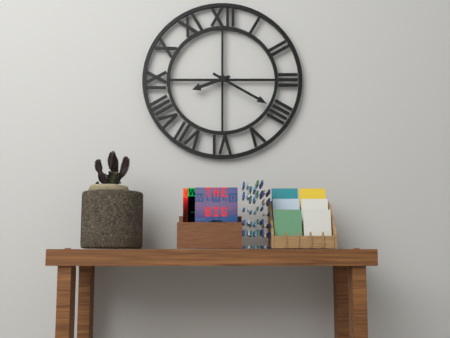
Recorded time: 8:20
